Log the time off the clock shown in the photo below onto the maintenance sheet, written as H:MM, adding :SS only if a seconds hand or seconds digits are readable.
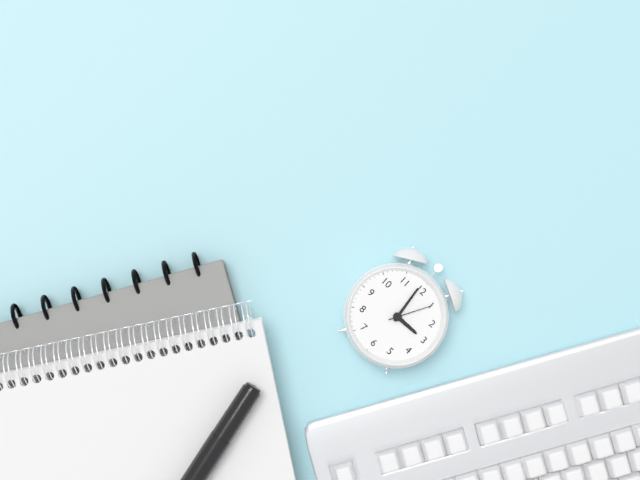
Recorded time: 2:59
